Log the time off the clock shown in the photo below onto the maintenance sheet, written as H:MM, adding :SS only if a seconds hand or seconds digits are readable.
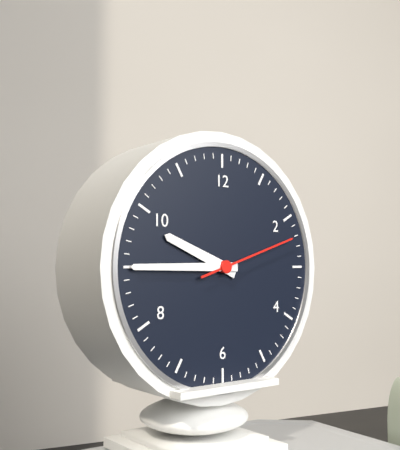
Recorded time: 9:45:12
